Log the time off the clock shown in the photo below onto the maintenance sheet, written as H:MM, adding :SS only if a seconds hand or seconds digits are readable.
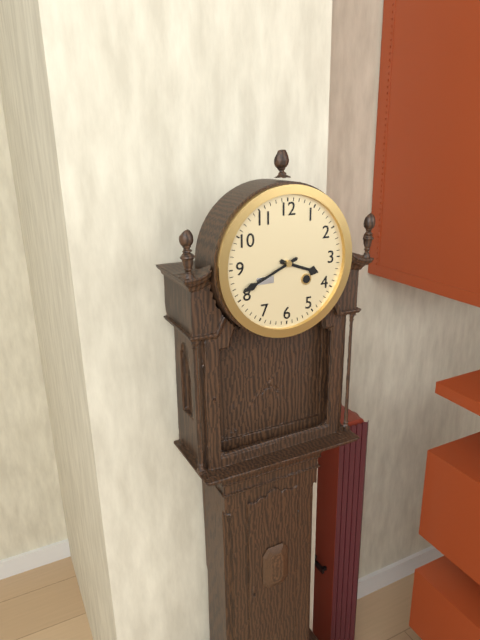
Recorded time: 3:41
